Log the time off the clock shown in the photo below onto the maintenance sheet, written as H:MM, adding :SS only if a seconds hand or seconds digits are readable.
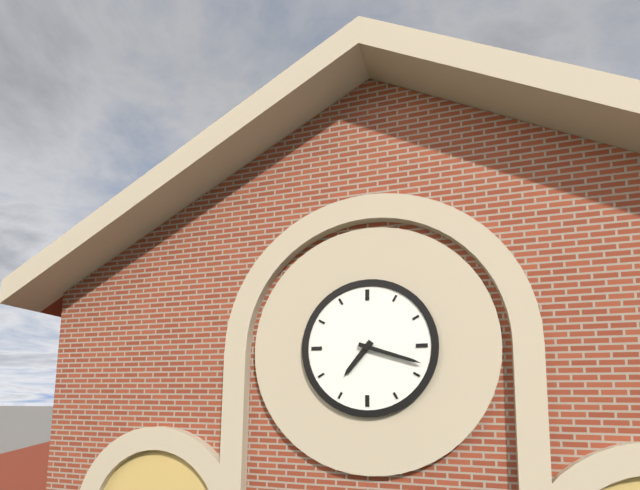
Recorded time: 7:18
